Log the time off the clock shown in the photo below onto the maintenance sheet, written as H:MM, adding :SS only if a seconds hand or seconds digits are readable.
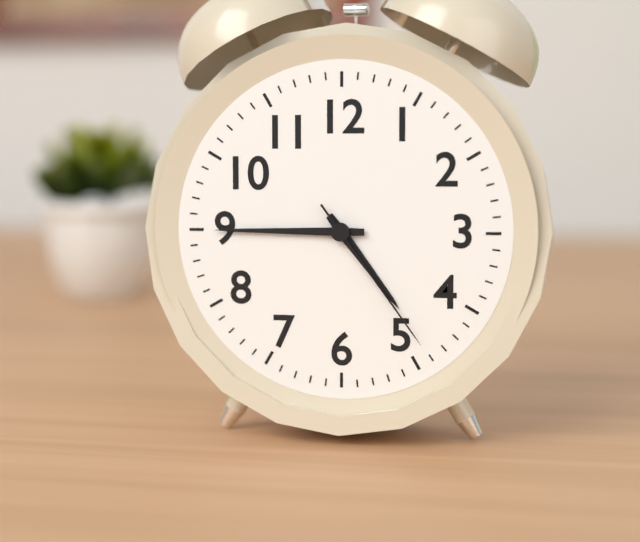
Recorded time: 4:45:24
